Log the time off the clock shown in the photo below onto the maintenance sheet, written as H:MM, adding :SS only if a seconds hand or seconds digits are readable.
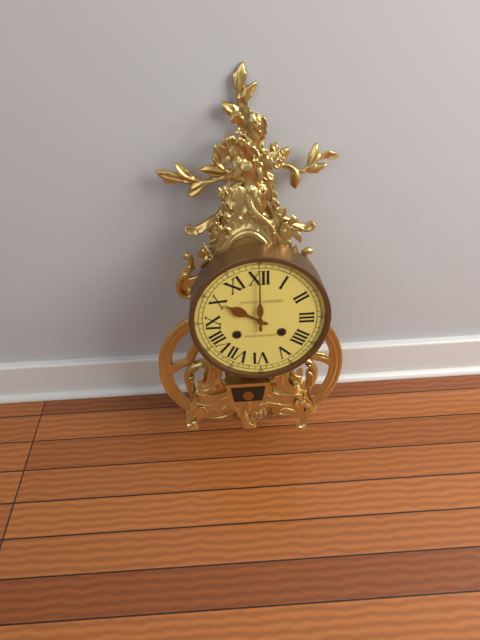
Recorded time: 10:00
